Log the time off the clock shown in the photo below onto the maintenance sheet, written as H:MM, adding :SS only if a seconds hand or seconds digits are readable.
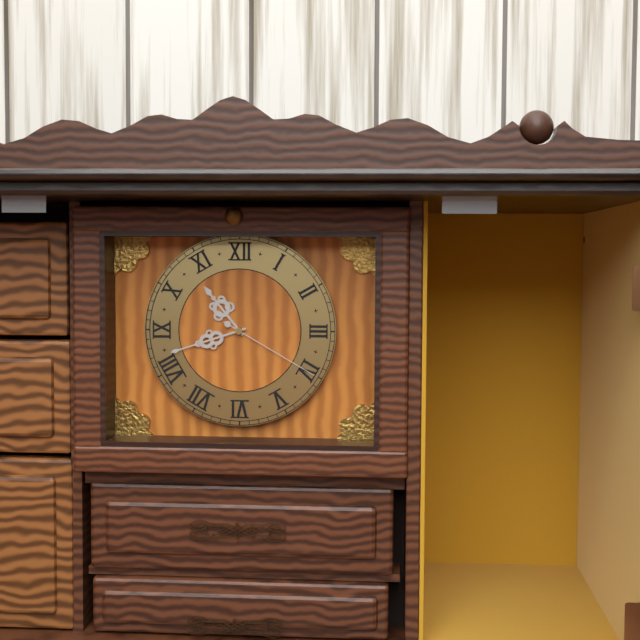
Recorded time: 10:42:20
